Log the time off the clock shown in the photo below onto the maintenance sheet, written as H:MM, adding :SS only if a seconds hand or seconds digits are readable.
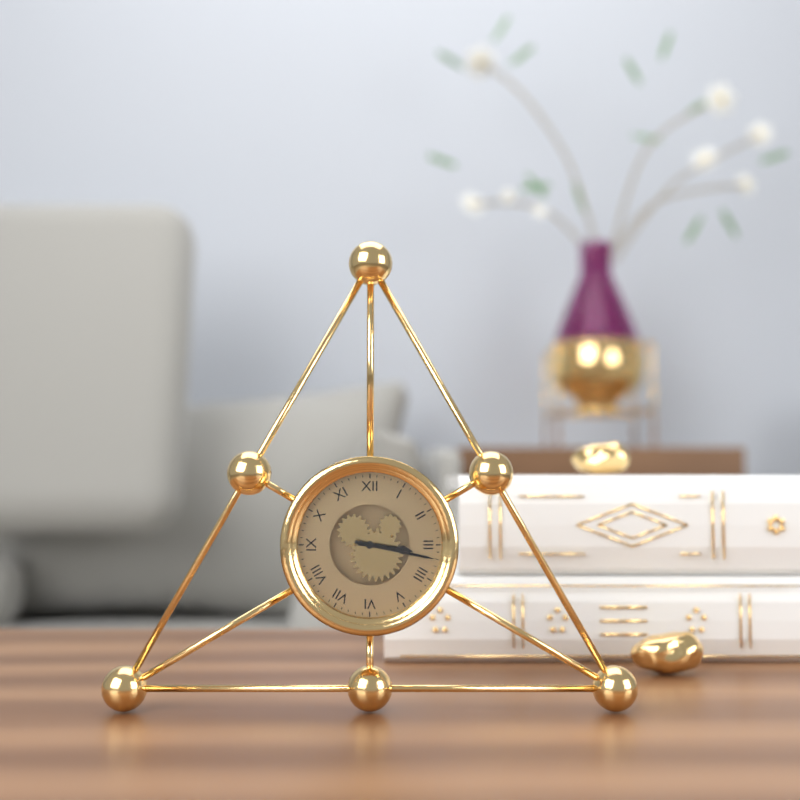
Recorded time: 3:17
